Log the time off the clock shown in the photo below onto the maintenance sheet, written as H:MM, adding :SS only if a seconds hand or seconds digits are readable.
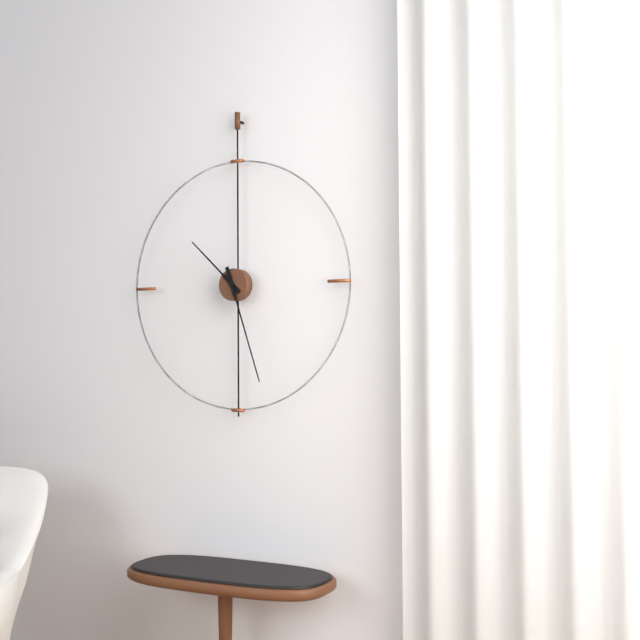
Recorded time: 10:27
